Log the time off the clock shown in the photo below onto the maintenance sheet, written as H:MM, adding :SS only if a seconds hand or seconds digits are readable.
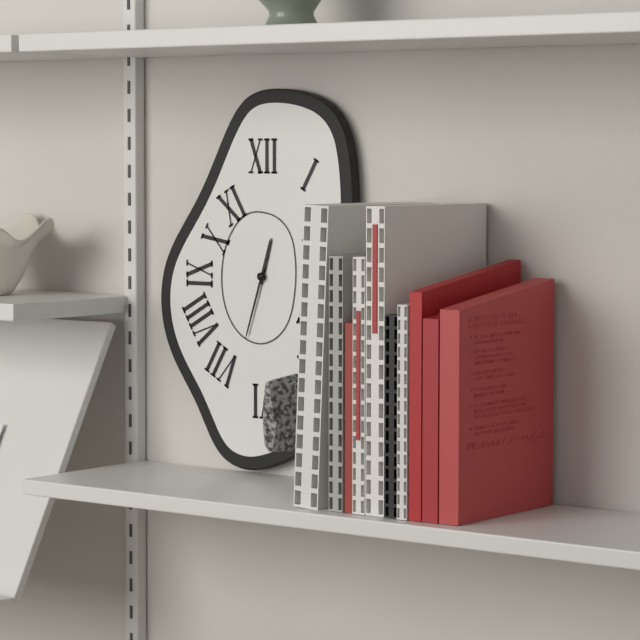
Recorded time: 12:33
